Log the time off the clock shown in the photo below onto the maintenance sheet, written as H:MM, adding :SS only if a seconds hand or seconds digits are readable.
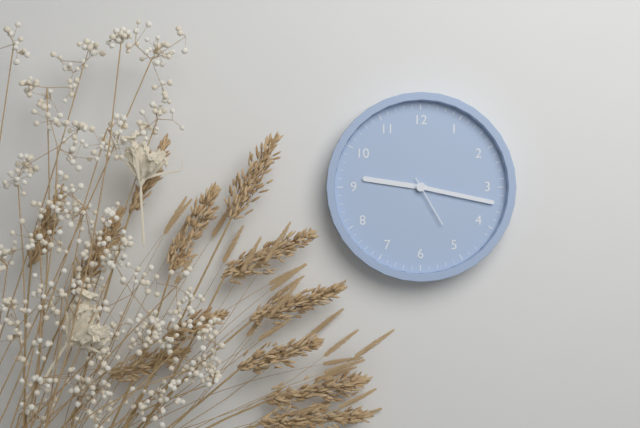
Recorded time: 9:17:25
